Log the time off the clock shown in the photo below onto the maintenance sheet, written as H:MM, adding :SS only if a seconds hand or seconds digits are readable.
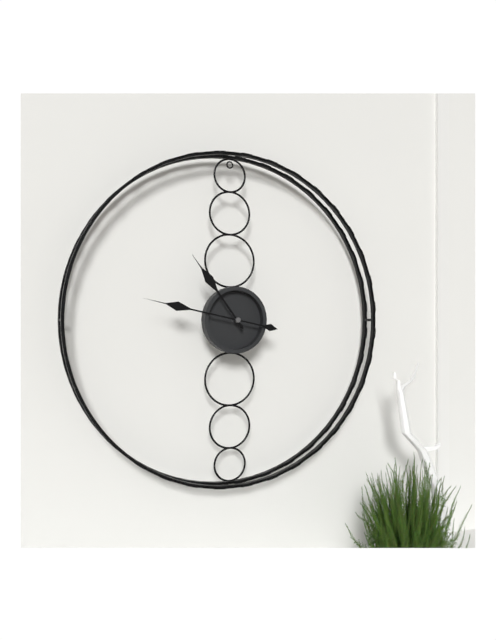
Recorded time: 10:47
